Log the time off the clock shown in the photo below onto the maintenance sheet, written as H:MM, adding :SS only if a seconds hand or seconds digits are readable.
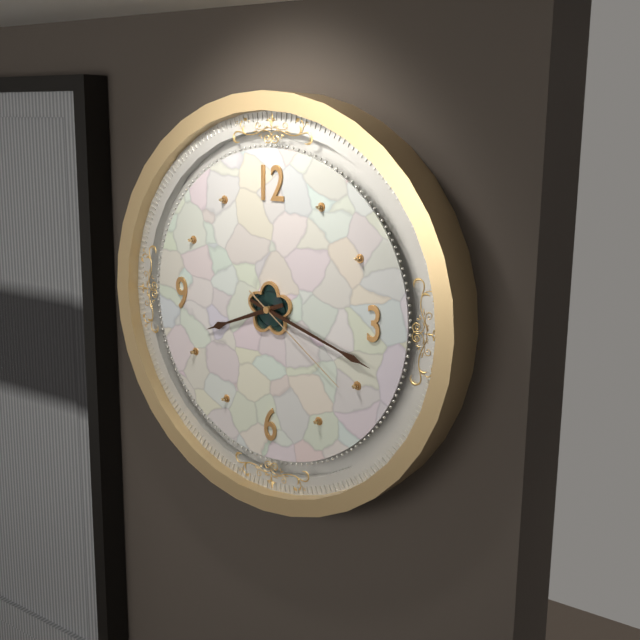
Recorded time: 8:18:21
